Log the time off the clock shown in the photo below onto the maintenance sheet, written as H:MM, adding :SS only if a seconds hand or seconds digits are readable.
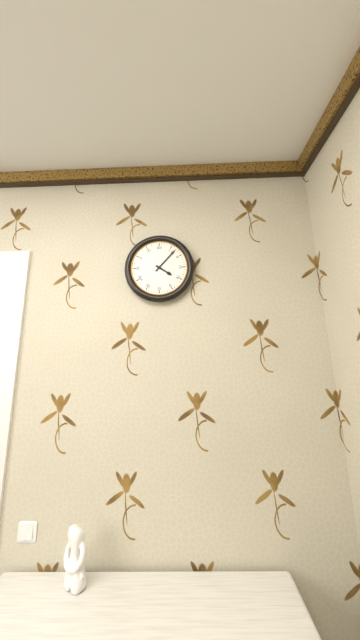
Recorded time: 4:07
